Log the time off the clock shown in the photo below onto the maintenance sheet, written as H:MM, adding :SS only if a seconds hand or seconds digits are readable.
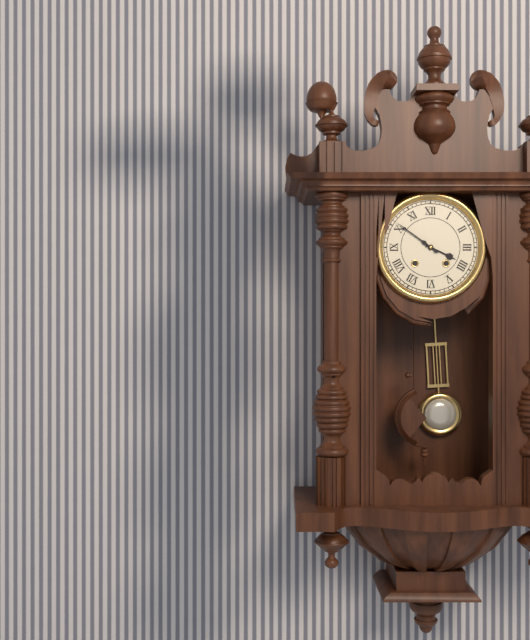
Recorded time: 3:51
